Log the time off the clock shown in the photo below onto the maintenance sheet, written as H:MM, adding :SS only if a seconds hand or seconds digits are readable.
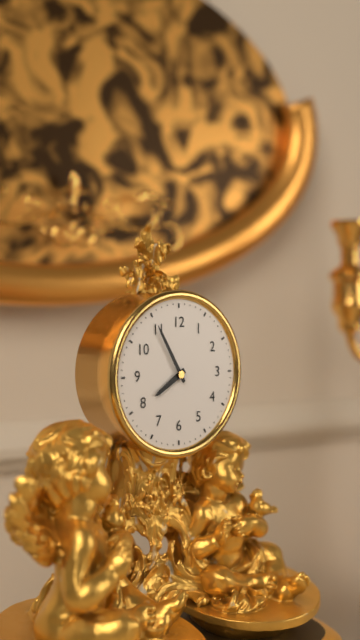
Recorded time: 7:55
